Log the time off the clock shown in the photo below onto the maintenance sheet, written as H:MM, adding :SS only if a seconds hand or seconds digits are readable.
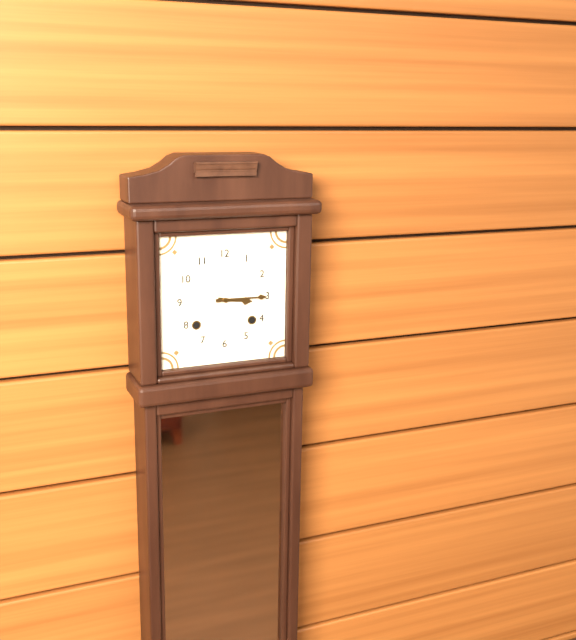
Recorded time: 3:15
